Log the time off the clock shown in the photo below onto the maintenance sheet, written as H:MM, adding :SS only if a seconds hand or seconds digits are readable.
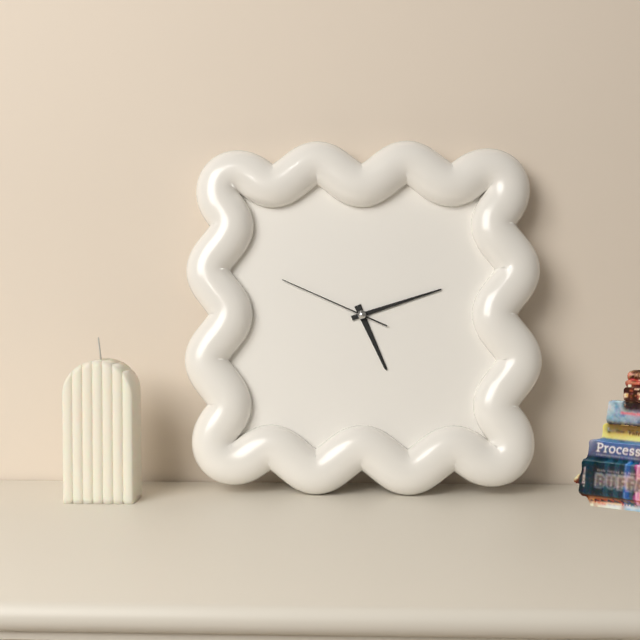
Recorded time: 5:12:49
